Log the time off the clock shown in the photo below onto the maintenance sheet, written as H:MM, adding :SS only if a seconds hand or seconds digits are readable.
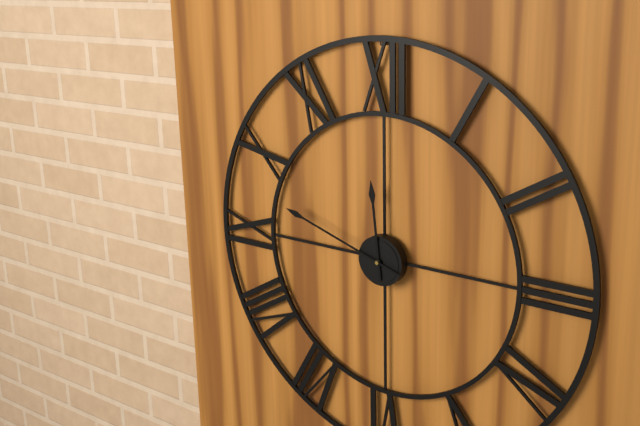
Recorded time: 11:48
